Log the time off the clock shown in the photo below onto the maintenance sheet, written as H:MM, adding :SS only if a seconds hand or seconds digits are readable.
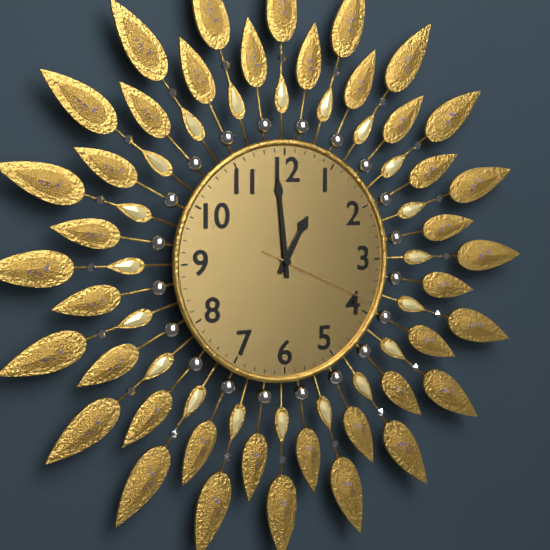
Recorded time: 12:59:19
